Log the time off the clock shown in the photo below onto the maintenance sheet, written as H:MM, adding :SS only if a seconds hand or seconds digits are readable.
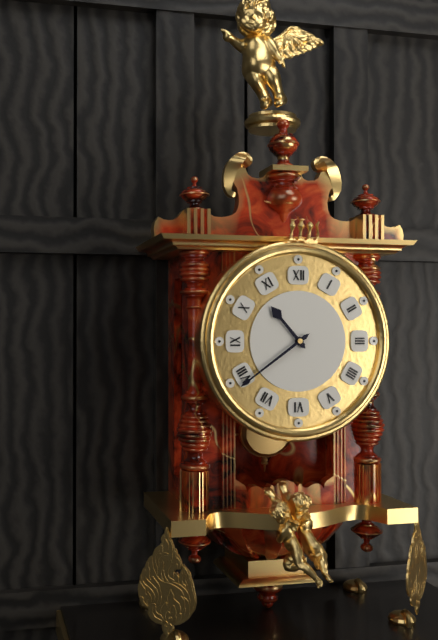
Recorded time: 10:39
